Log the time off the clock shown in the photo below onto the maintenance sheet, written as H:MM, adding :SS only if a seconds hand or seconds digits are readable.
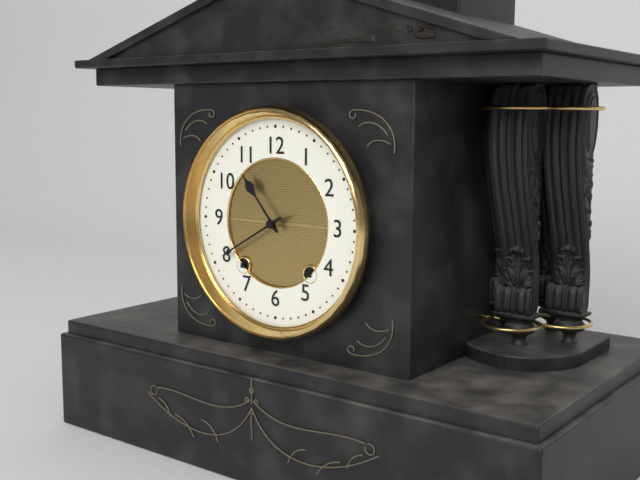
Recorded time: 10:40
